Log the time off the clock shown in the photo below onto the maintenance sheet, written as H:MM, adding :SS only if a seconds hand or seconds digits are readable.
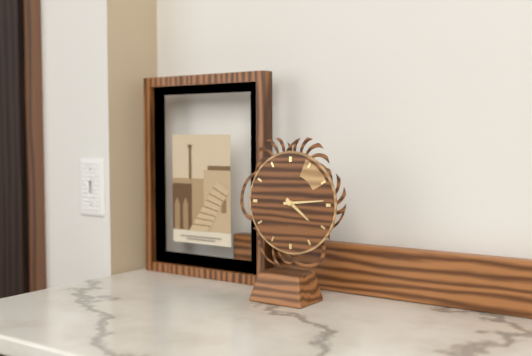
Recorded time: 4:14
